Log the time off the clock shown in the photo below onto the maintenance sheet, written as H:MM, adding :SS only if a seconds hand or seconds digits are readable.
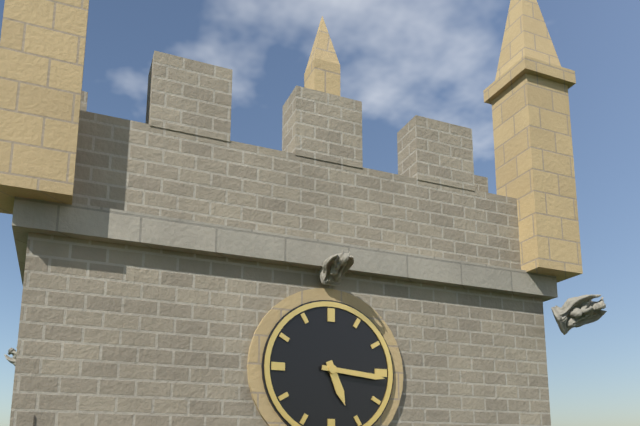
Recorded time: 5:16
